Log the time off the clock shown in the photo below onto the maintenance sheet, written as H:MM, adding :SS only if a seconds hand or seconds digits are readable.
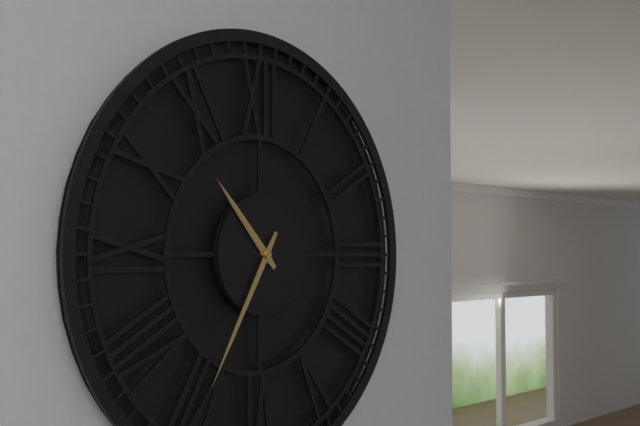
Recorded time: 10:35
